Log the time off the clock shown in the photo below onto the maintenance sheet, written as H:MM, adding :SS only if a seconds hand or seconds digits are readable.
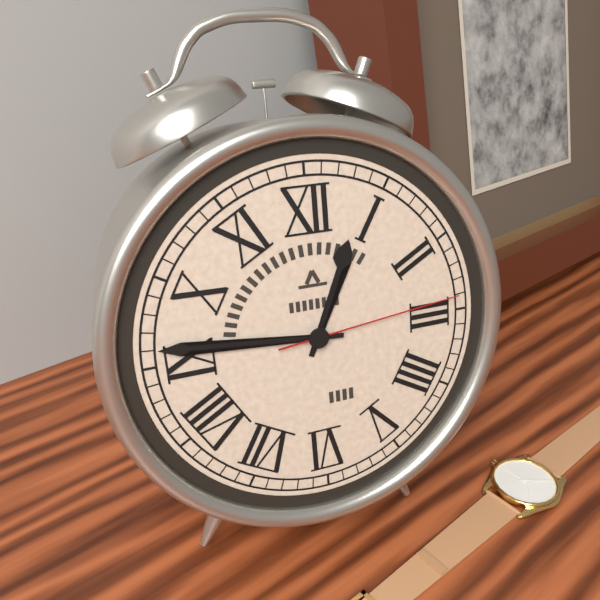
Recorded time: 12:46:14
